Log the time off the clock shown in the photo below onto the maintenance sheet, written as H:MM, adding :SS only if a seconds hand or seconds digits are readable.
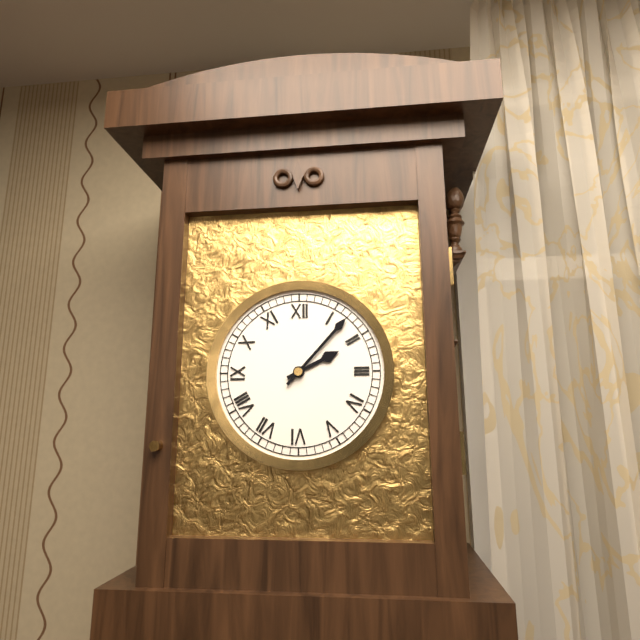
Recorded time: 2:07
